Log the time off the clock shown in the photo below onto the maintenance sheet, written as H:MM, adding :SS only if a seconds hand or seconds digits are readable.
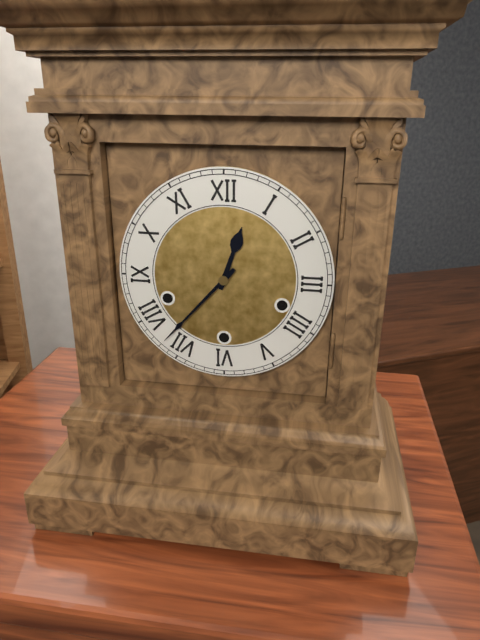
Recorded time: 12:37
